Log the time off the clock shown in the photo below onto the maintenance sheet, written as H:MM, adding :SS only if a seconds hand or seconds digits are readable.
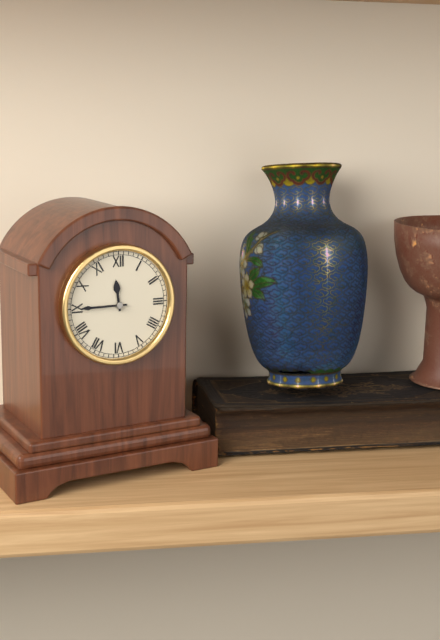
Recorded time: 11:45
